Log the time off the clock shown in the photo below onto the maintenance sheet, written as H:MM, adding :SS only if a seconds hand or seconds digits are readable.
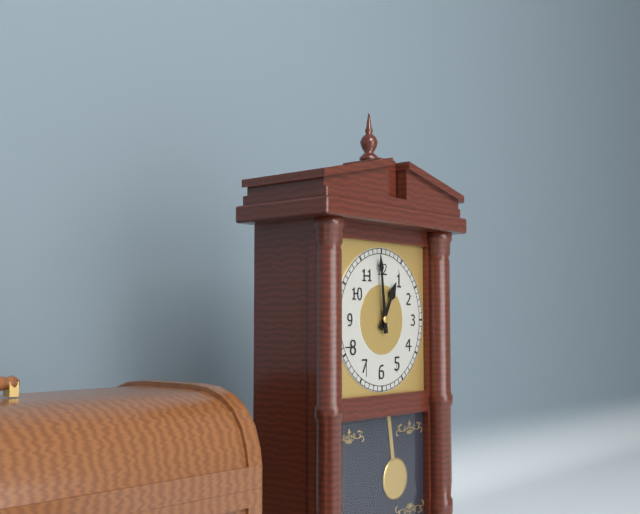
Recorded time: 12:59
